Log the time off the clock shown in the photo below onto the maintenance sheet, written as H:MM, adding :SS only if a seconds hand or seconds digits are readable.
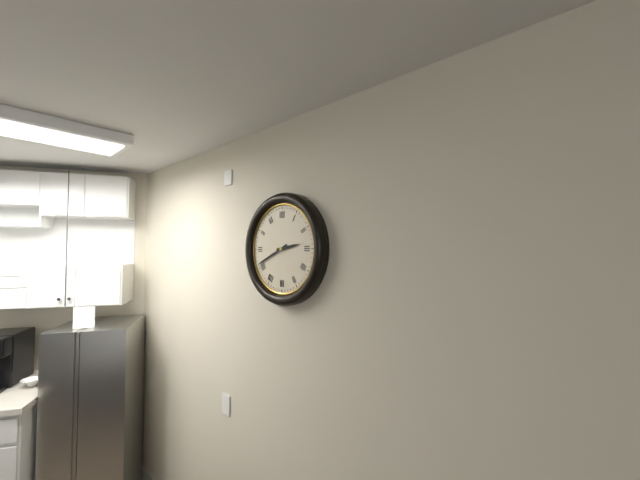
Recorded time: 2:41
